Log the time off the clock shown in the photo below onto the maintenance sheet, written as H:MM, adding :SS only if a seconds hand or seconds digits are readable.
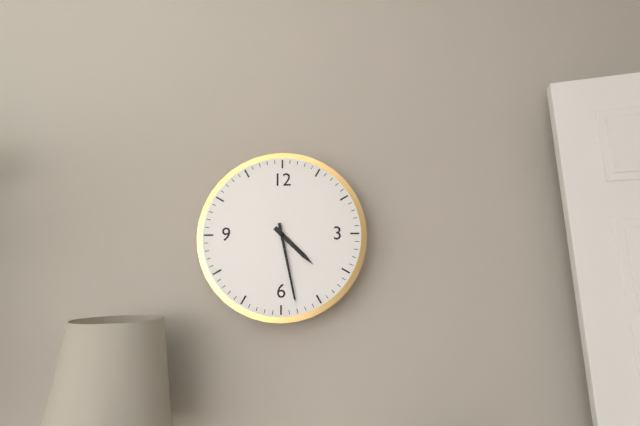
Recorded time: 4:28
